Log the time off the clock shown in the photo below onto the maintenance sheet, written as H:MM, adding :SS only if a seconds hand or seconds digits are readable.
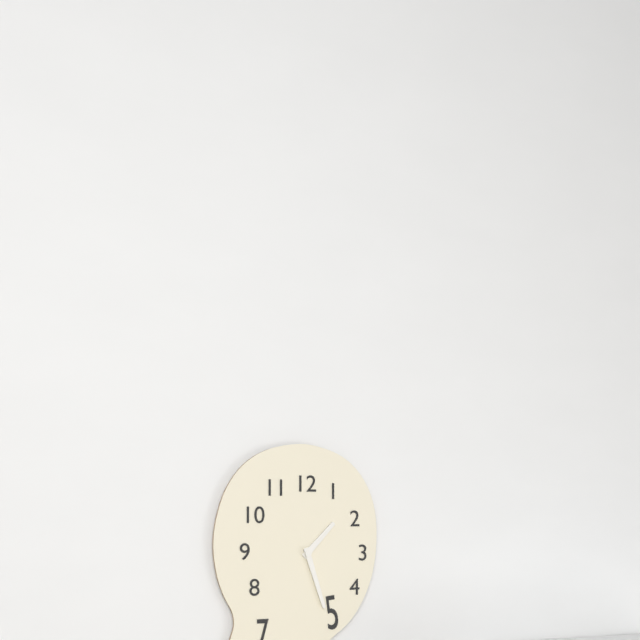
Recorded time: 1:27
